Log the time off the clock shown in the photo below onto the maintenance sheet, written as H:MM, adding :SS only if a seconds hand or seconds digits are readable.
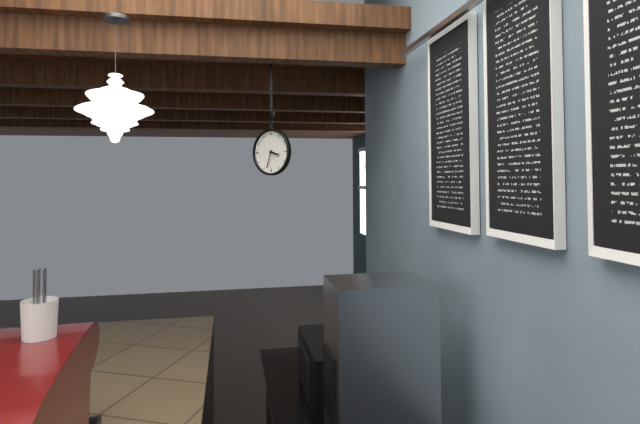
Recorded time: 3:33
